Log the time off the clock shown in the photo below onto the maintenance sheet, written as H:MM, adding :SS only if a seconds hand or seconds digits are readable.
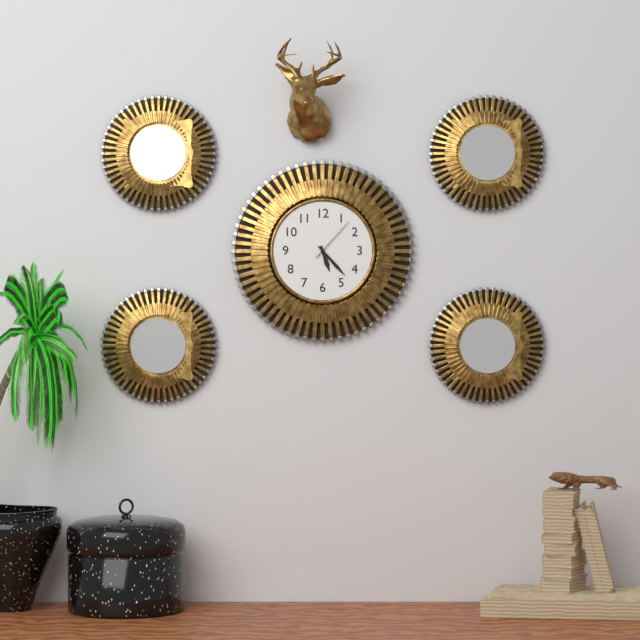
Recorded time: 5:23
